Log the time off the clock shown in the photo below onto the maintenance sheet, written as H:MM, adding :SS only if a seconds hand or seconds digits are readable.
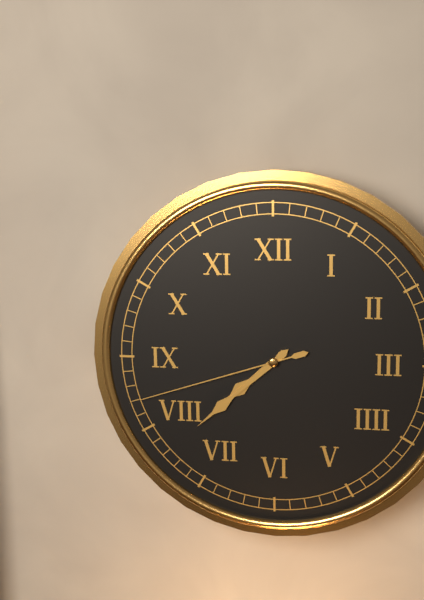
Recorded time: 7:38:42
